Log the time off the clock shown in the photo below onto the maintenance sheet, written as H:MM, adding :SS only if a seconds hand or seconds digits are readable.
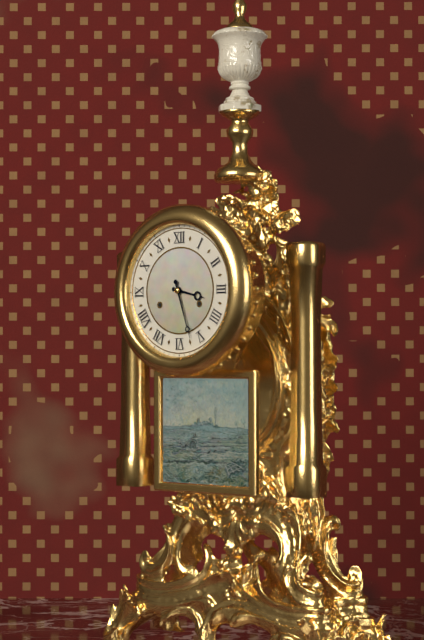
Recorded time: 3:27
